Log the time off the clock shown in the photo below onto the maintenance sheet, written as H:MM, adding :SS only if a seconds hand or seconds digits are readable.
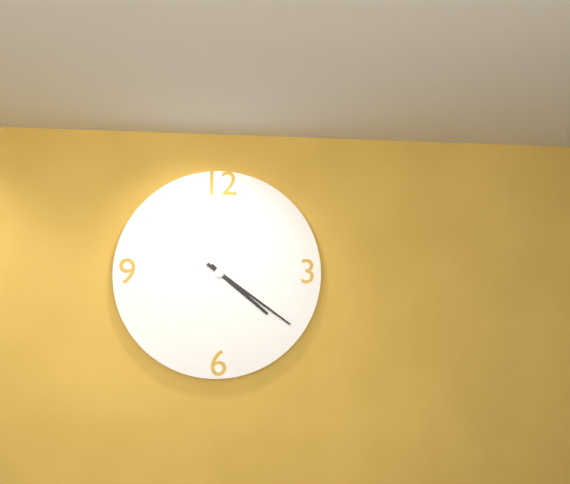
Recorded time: 4:21
